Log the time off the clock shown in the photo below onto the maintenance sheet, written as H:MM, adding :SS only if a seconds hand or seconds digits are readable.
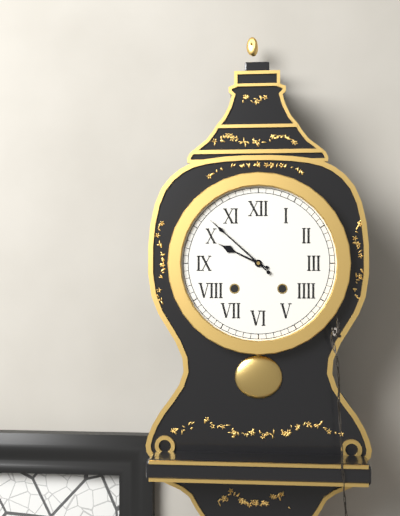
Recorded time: 9:52
